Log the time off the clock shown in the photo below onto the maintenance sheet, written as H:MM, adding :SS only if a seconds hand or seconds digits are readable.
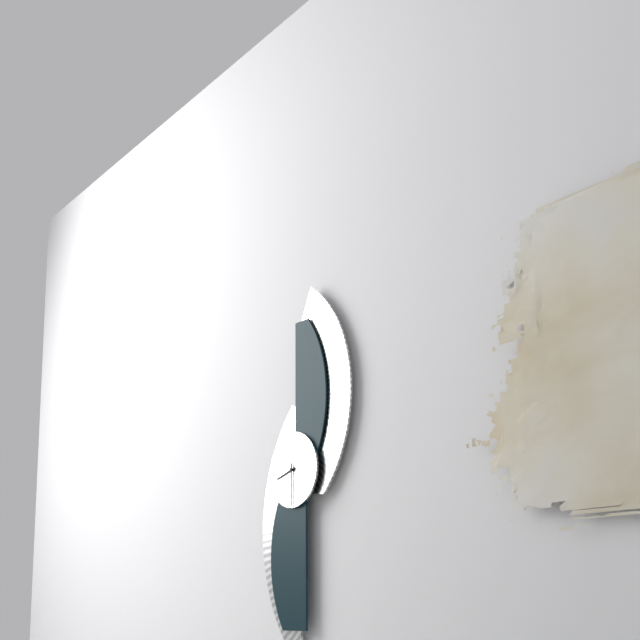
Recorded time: 8:30
